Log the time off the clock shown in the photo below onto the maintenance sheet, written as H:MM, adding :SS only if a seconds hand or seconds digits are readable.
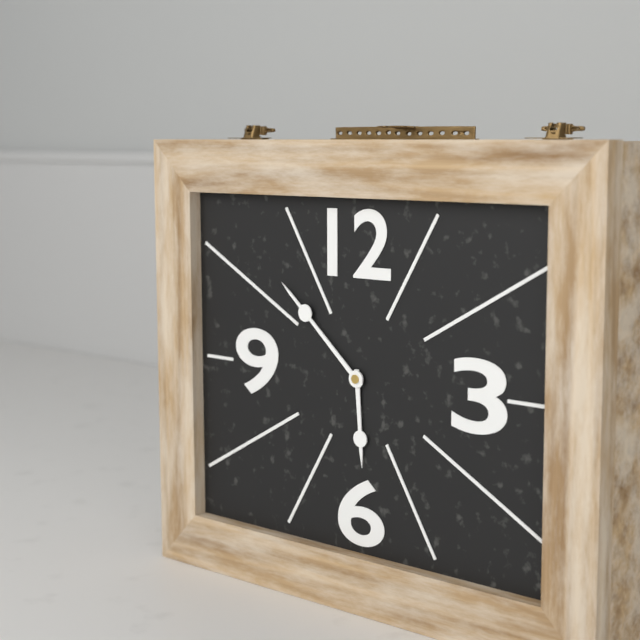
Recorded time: 5:52
